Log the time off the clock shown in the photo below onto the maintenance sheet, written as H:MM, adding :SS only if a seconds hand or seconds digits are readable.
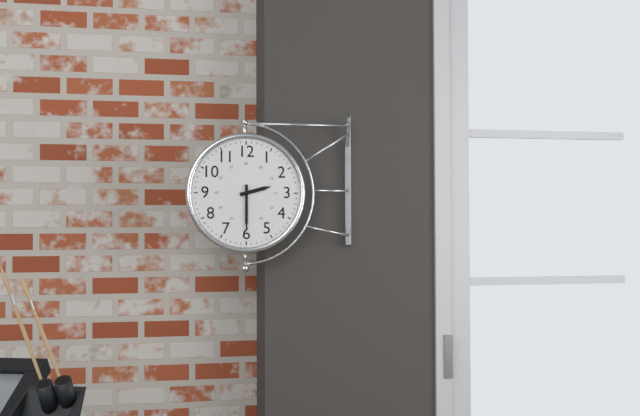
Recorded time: 2:30
